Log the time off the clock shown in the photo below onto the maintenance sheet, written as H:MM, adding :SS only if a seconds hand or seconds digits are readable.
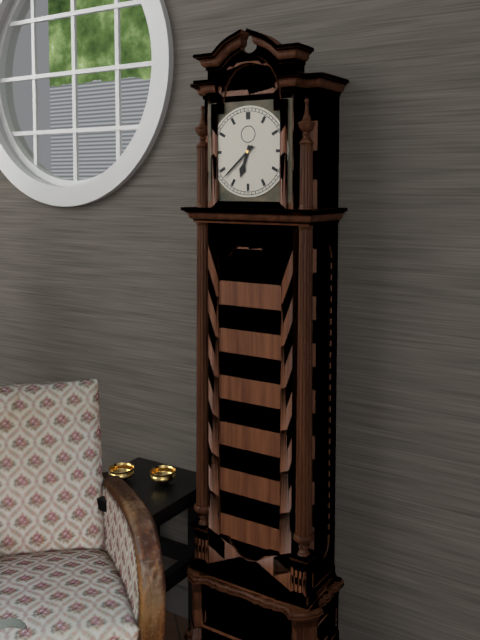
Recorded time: 6:38
